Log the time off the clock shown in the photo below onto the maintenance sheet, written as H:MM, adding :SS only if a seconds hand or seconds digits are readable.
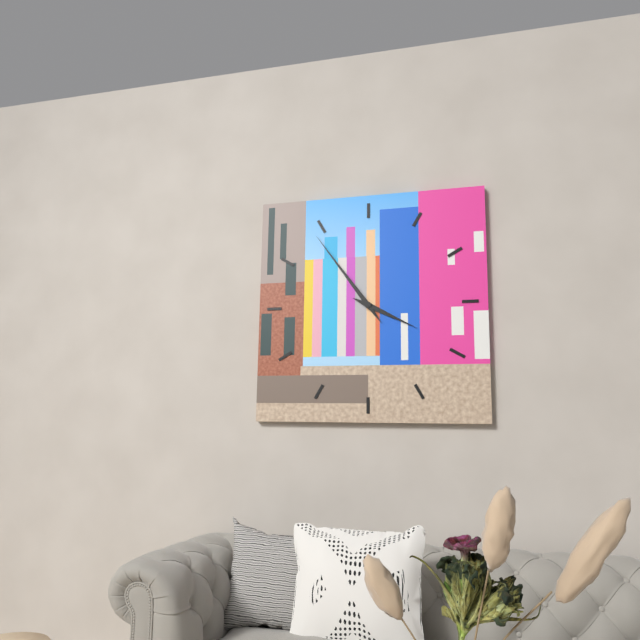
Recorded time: 3:54
